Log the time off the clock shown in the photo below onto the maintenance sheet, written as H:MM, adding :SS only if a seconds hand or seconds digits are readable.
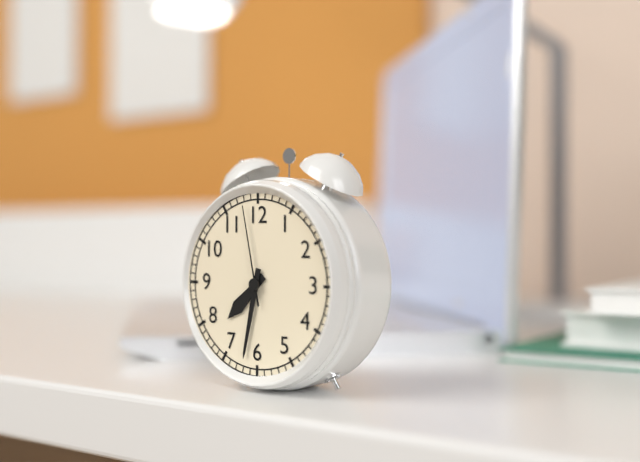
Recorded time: 7:32:58
